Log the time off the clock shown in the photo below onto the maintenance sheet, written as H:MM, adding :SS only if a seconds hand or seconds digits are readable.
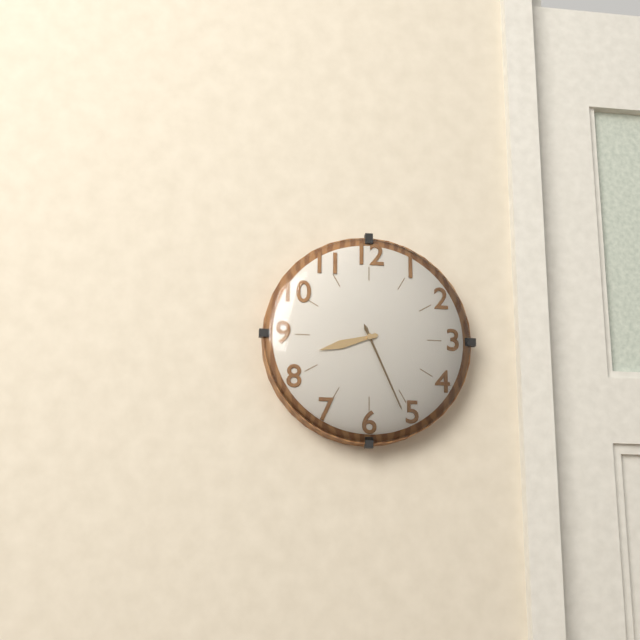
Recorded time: 8:26
